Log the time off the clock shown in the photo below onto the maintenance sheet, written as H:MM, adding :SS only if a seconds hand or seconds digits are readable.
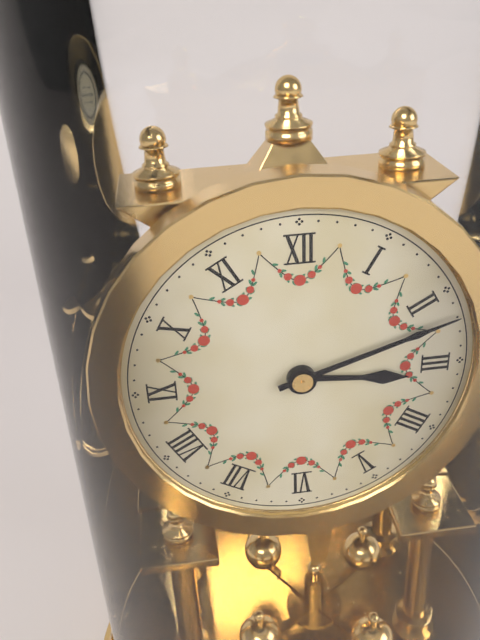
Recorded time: 3:12
